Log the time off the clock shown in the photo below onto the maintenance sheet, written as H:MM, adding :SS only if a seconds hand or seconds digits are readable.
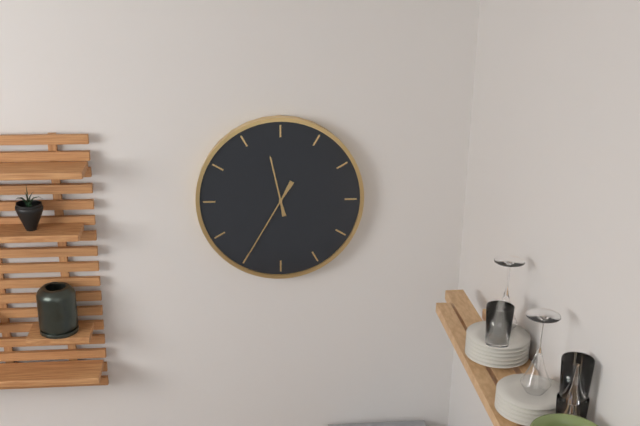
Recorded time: 11:35
